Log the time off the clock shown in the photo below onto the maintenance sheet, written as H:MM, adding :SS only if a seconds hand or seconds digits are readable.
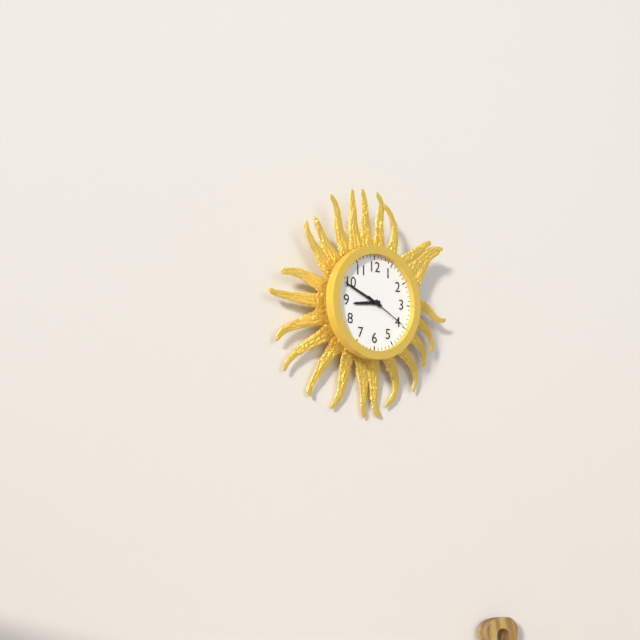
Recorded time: 8:49
